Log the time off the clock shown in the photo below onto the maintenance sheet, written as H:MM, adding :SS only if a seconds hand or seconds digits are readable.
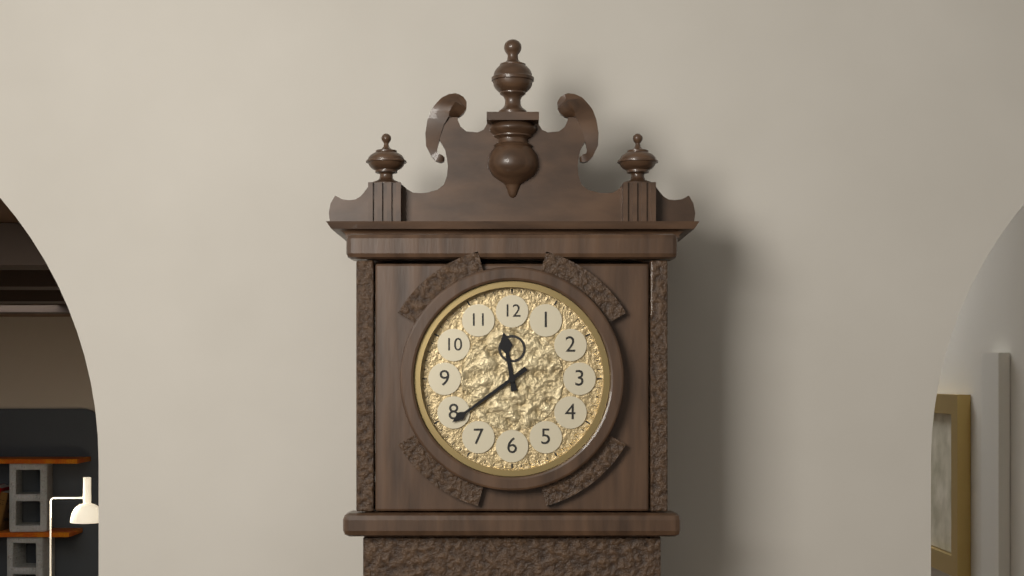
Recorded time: 11:39
